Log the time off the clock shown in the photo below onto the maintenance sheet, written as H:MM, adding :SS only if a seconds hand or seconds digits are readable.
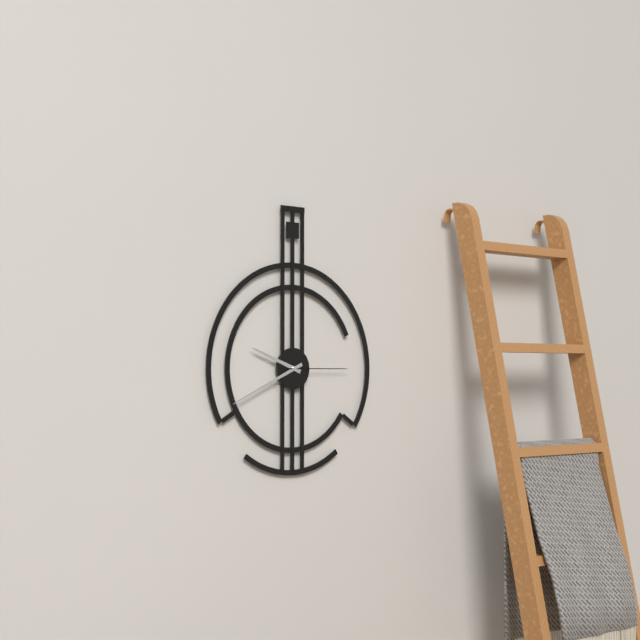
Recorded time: 9:41:15
